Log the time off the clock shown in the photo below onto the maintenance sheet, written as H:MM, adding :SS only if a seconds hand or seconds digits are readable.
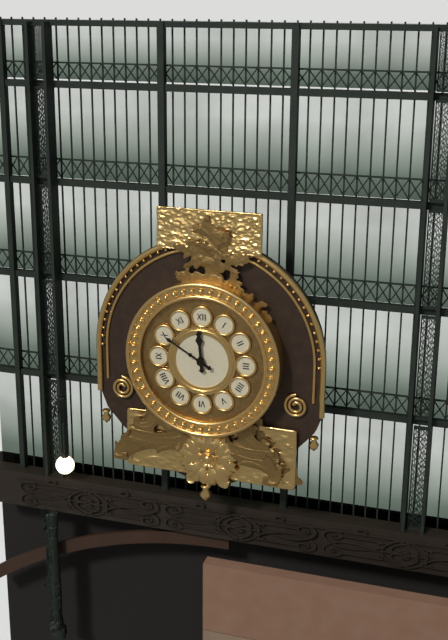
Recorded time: 11:50
